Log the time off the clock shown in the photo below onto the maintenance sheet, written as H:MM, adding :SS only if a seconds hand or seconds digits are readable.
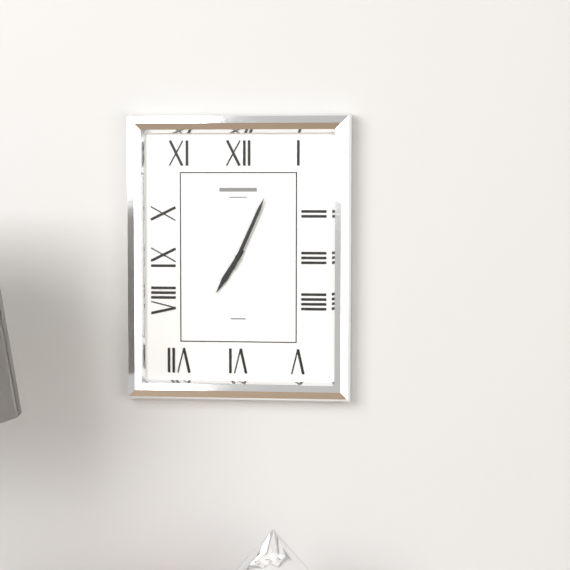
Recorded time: 7:04
